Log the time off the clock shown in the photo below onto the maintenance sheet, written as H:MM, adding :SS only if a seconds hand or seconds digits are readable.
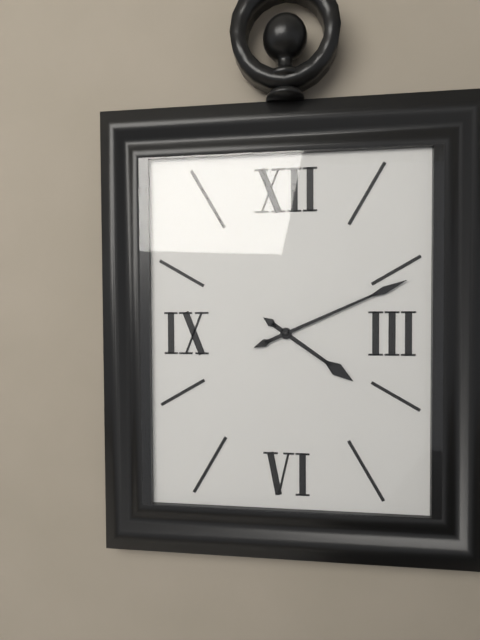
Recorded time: 4:11
